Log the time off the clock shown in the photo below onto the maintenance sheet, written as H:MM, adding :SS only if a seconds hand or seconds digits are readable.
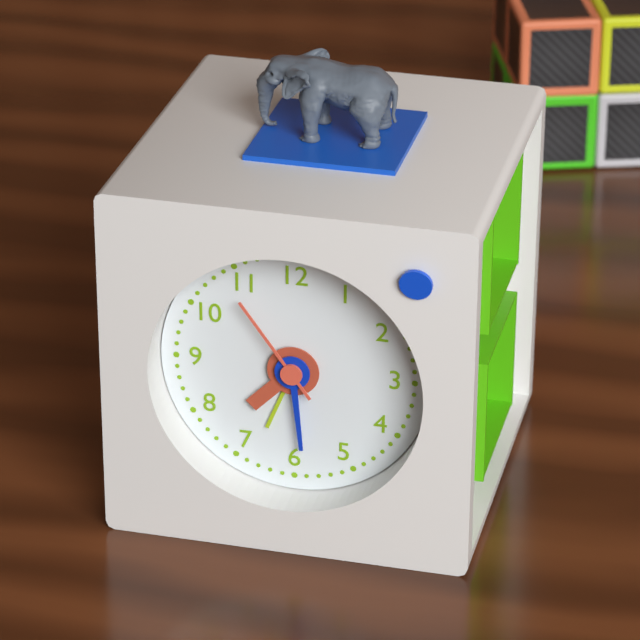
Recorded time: 7:29:54
